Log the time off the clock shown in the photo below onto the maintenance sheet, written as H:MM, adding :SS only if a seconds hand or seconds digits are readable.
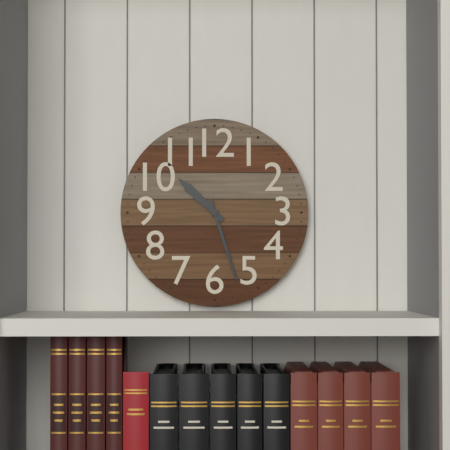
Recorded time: 10:27
